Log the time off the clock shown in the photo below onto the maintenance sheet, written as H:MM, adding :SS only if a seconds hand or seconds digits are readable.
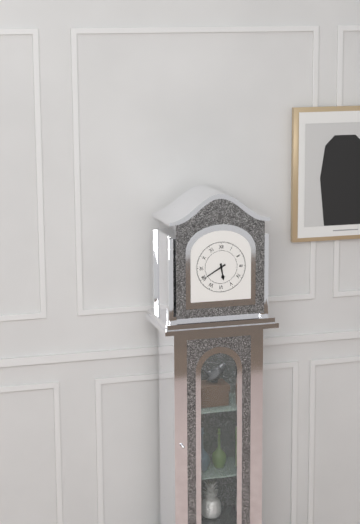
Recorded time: 5:40
